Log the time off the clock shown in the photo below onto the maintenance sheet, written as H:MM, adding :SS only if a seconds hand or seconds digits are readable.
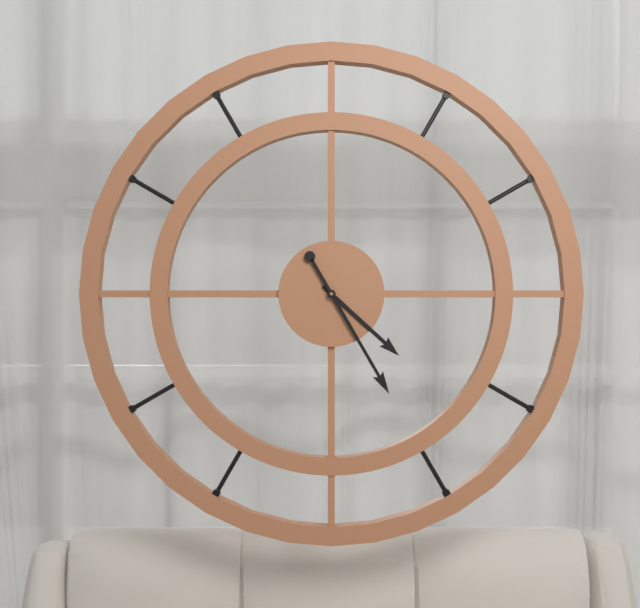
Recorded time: 4:25
